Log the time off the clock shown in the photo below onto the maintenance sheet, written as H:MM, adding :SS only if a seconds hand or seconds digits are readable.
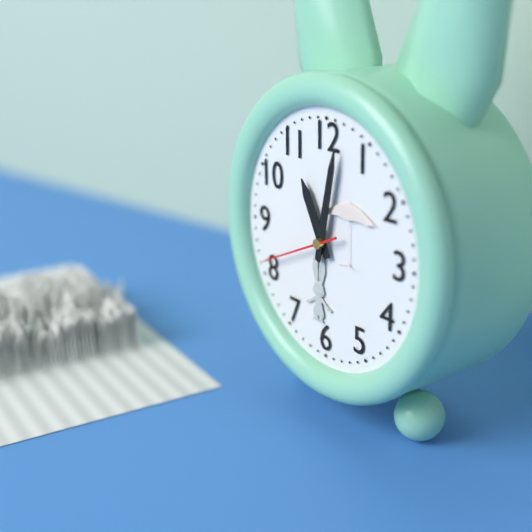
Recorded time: 11:02:41
